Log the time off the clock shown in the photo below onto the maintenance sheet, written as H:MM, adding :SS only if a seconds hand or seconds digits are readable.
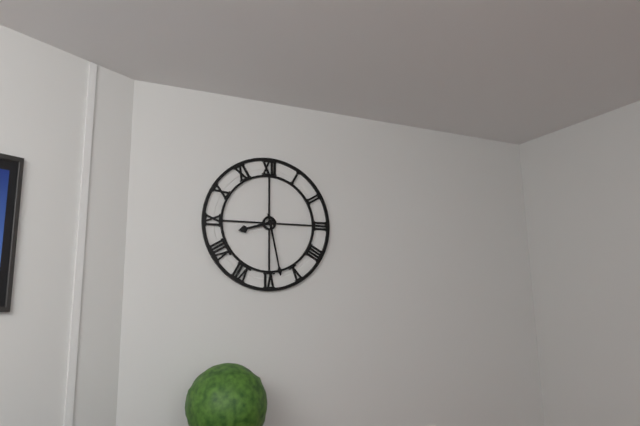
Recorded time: 8:28
